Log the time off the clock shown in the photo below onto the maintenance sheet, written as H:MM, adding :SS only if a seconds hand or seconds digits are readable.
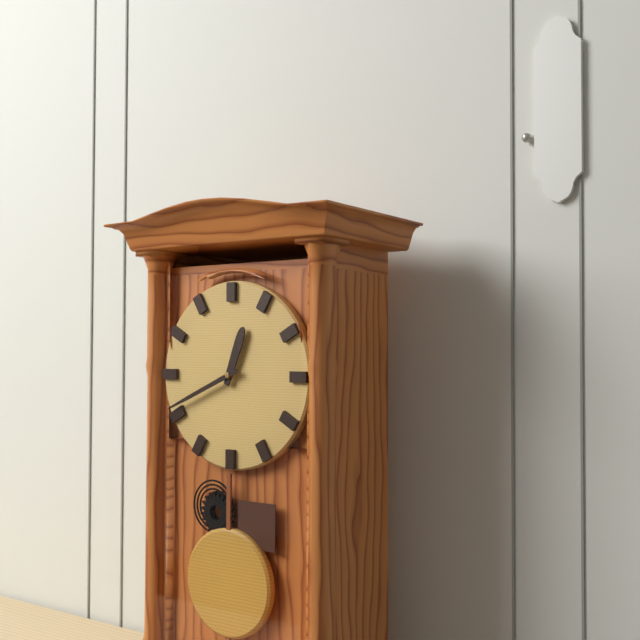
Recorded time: 12:41
